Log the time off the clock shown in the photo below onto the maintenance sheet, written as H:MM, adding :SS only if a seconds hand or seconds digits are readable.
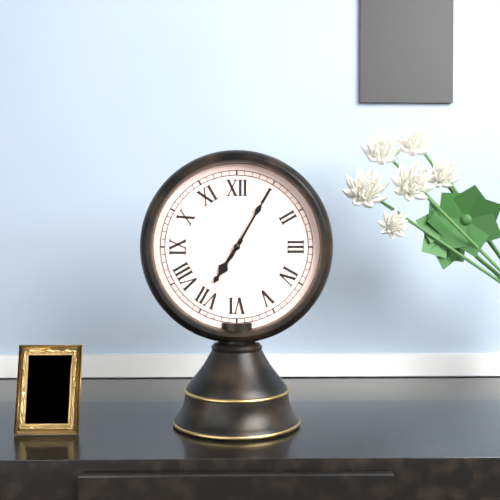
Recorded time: 7:05
